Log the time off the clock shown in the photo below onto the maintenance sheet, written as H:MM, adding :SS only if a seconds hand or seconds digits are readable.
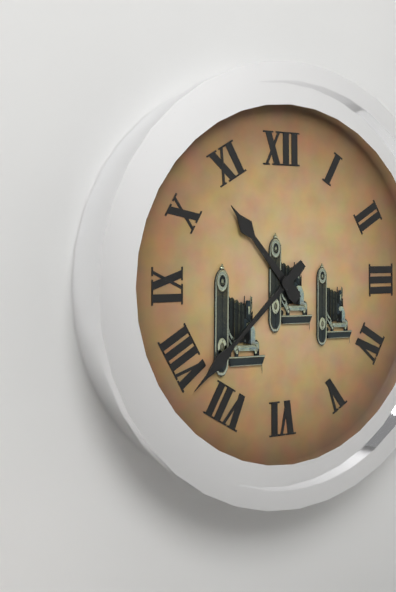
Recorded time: 10:38
